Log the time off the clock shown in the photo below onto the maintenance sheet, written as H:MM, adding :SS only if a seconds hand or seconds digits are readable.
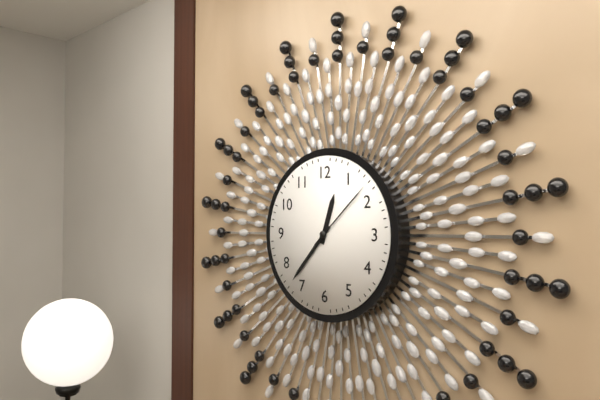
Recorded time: 12:37:08
